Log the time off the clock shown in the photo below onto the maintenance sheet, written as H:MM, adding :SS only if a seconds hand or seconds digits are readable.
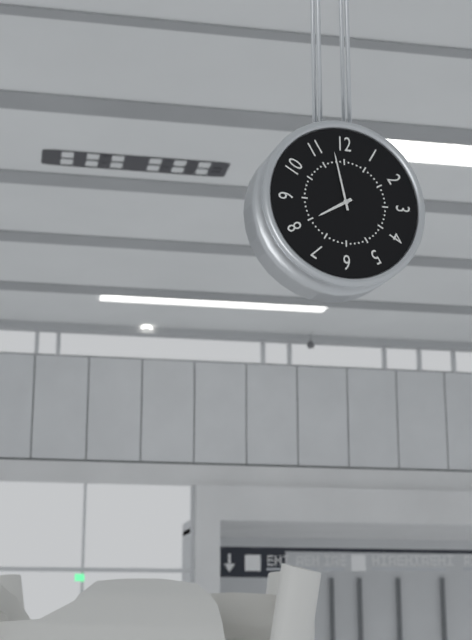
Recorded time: 7:58
